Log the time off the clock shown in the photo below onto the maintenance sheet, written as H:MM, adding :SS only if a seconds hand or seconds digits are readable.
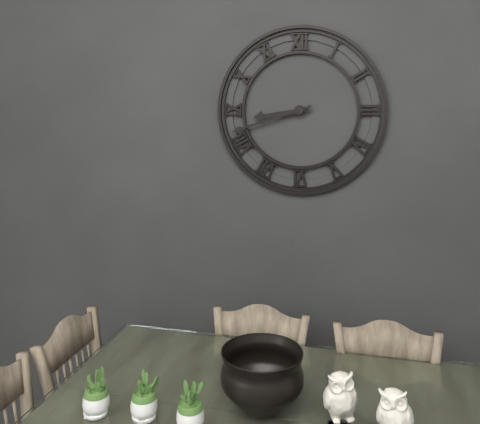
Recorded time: 8:42
